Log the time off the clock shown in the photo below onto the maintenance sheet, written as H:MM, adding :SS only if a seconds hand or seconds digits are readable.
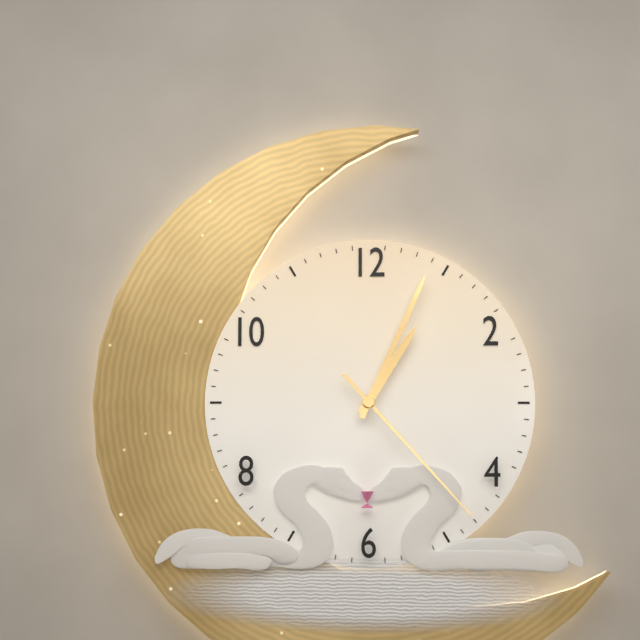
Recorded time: 1:04:23
